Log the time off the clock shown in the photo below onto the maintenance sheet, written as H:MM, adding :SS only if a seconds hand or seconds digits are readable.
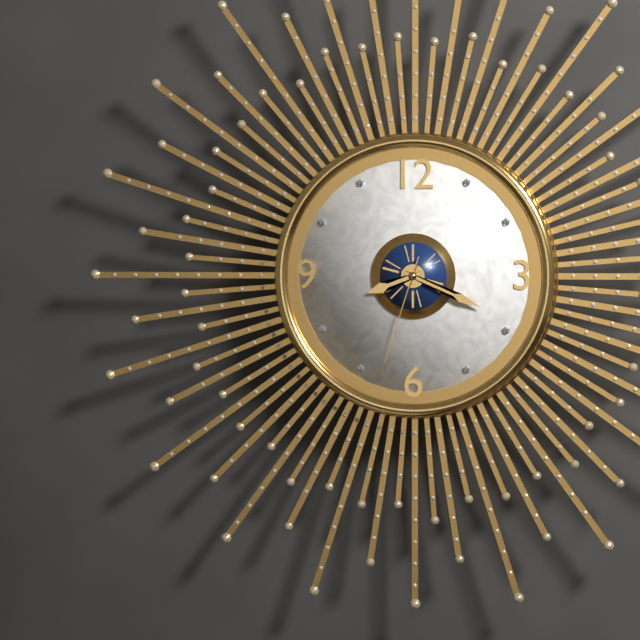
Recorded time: 8:19:33
